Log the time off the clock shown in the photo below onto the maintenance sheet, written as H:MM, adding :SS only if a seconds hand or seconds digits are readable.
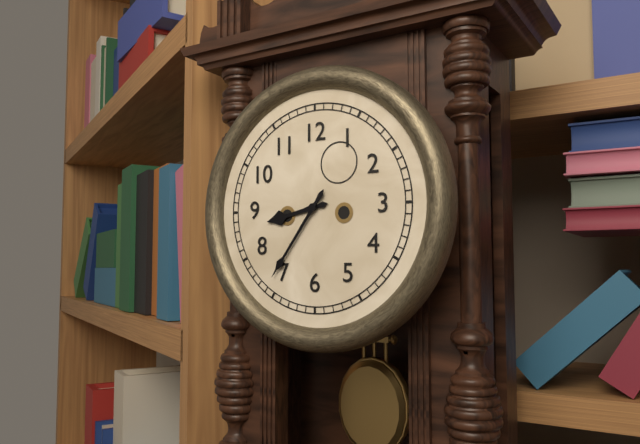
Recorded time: 8:36
